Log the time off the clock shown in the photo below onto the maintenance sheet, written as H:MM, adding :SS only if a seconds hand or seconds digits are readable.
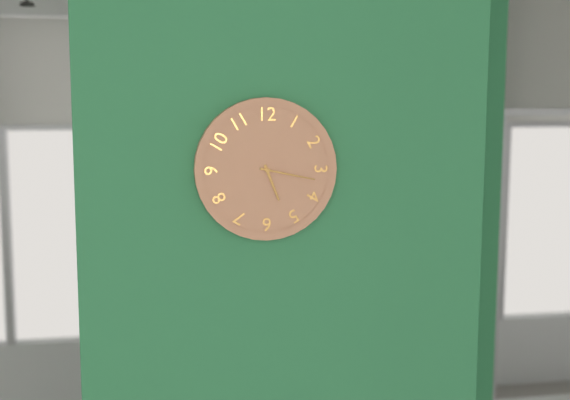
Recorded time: 5:17
